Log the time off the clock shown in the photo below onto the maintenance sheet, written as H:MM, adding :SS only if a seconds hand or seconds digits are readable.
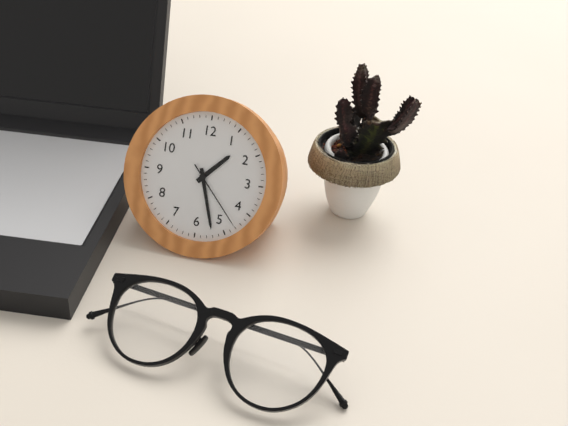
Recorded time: 1:27:23
